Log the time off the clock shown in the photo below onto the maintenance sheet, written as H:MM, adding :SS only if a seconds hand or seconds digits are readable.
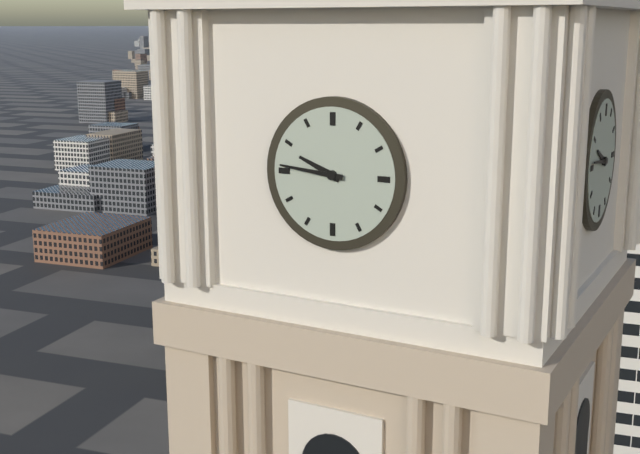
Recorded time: 9:46
